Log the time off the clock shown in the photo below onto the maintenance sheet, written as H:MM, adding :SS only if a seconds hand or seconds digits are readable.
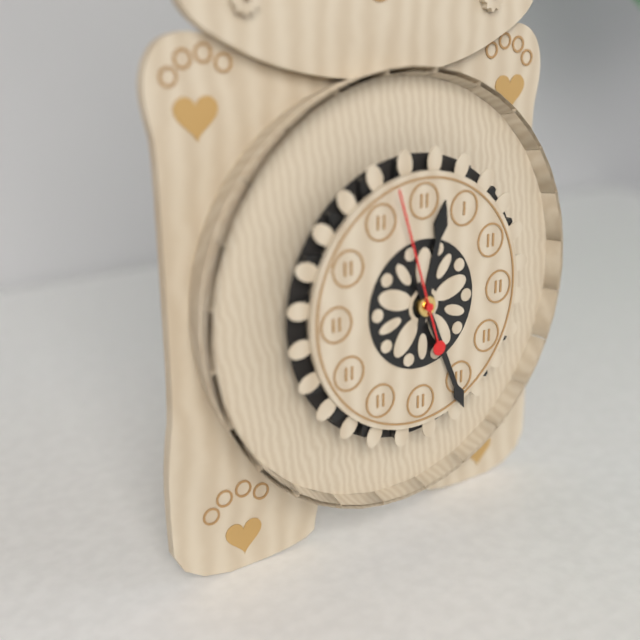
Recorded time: 12:26:57
